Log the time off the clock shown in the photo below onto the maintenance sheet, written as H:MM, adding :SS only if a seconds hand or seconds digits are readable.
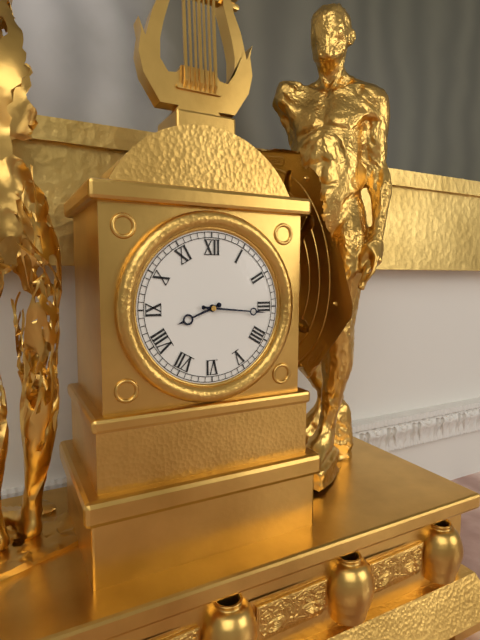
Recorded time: 8:16
